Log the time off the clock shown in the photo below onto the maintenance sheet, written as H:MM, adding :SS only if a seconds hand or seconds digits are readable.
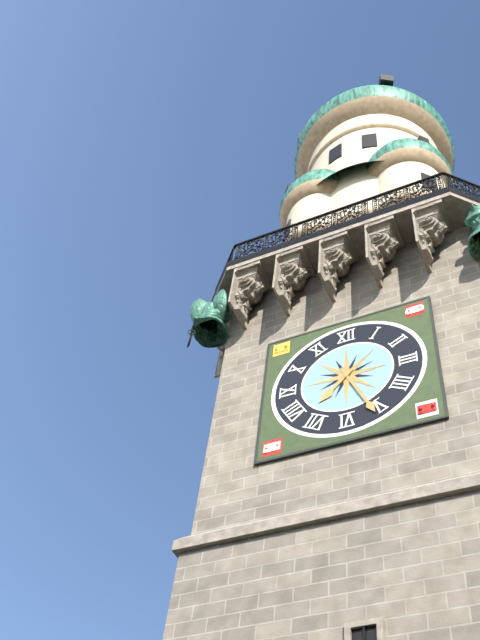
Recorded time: 7:26
